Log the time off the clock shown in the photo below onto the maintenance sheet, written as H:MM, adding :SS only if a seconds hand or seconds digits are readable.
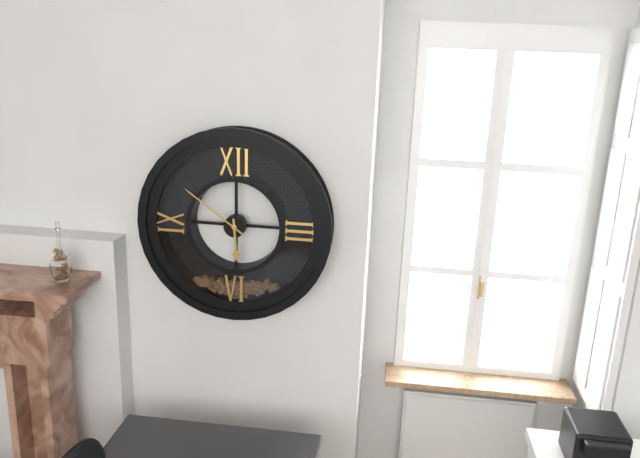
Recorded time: 5:51
